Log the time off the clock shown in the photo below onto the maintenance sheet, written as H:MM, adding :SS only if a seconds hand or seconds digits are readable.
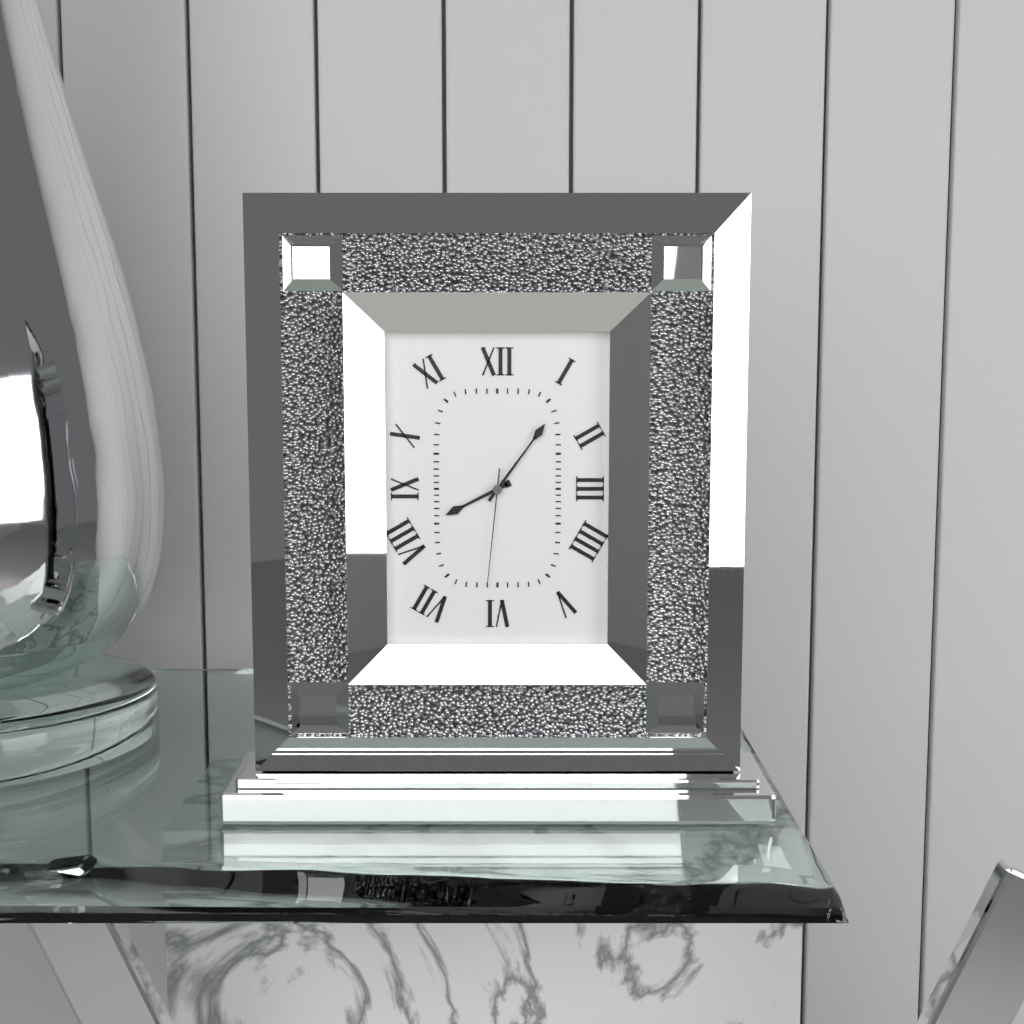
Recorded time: 8:06:31
